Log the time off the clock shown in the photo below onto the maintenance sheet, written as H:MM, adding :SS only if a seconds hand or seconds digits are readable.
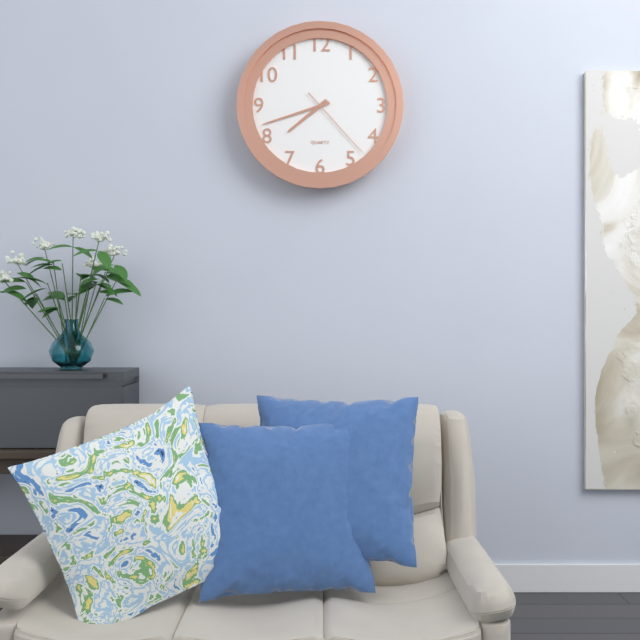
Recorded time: 7:42:23
